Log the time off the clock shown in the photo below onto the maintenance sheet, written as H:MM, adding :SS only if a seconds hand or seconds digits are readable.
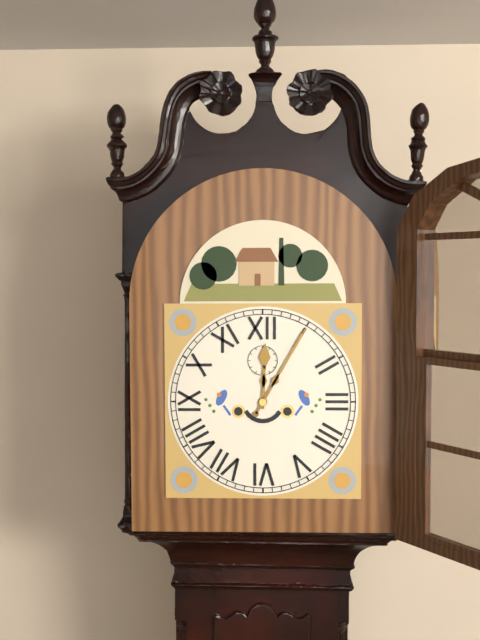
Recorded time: 12:05
